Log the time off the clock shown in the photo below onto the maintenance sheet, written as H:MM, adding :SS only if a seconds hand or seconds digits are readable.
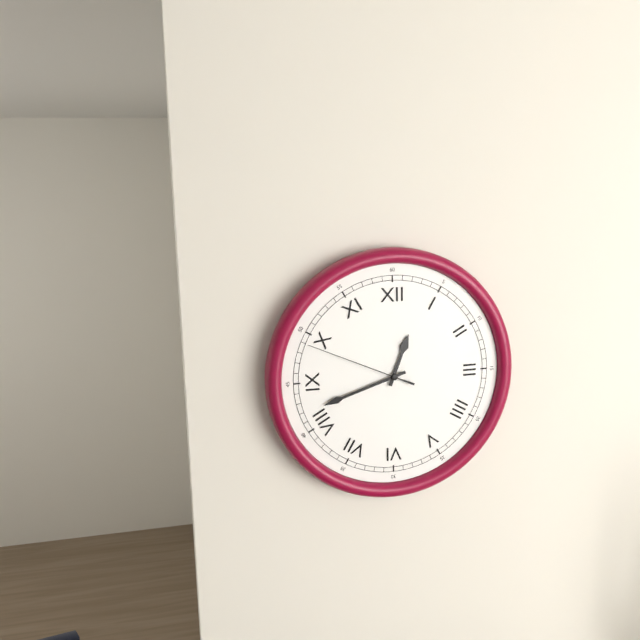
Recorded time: 12:42:49
